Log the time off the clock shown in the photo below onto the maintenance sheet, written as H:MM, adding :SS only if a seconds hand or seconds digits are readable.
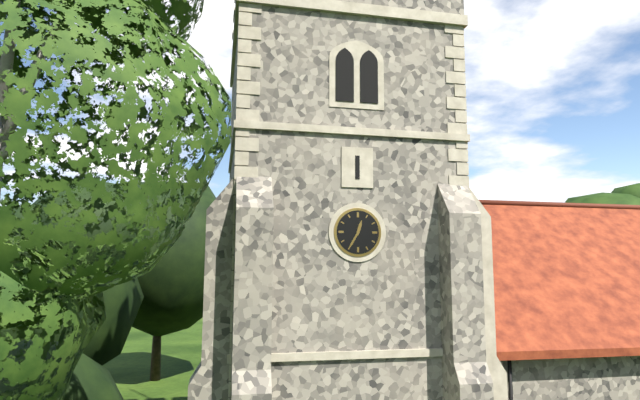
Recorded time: 12:35
